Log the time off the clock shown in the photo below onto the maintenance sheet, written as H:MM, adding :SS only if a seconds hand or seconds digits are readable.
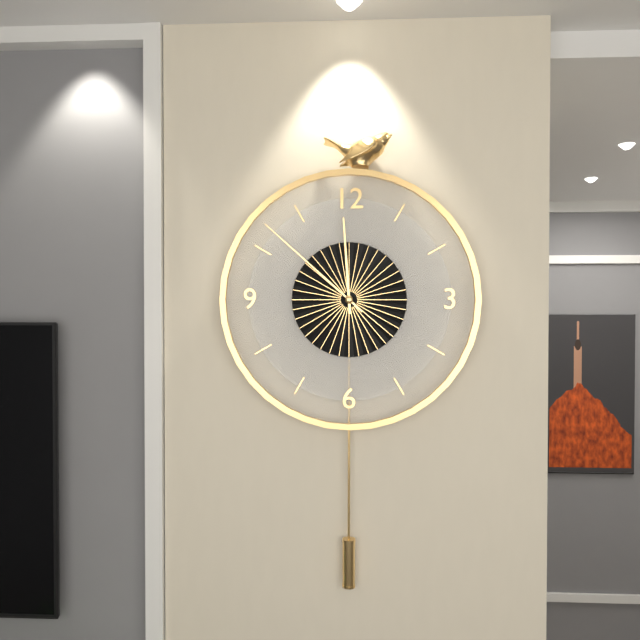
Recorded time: 11:52
